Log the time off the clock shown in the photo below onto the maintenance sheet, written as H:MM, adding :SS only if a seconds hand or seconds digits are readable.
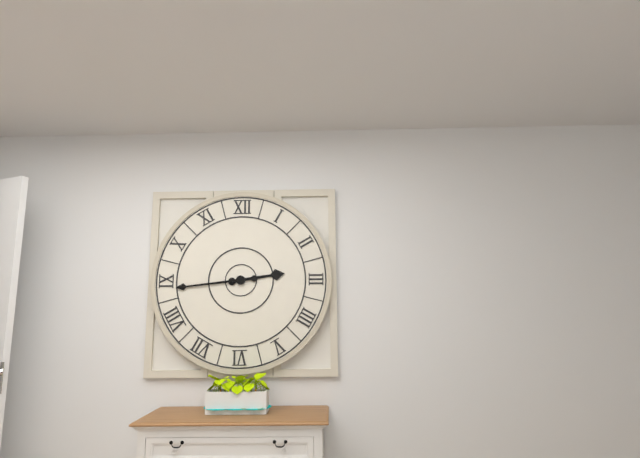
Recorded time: 2:44
